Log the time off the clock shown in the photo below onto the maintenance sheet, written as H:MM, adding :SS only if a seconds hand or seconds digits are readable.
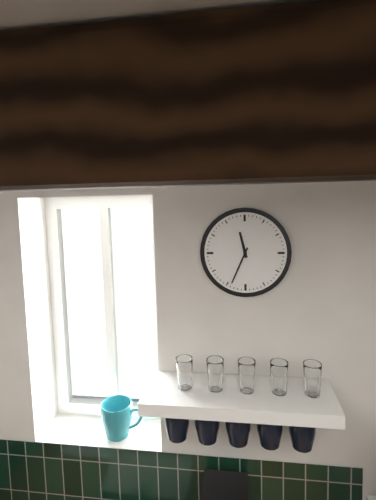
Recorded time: 11:34
